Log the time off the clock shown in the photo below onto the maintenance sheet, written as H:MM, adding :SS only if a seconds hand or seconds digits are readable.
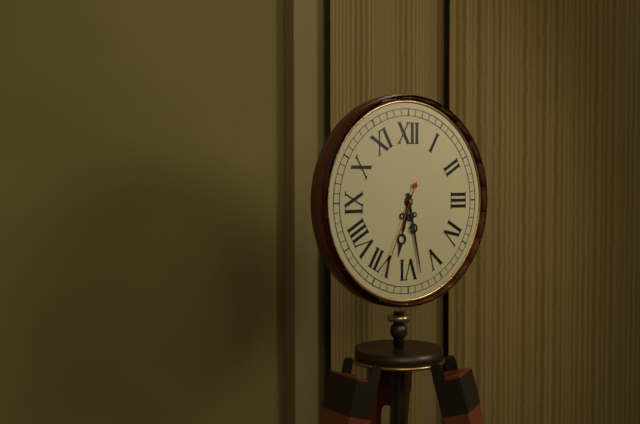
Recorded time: 6:28:34
